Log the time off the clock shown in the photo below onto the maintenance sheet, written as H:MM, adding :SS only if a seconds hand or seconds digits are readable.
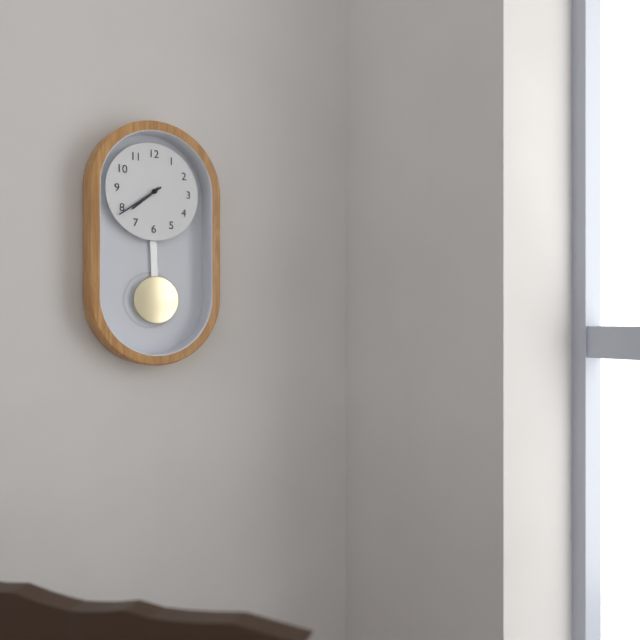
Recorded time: 7:39
